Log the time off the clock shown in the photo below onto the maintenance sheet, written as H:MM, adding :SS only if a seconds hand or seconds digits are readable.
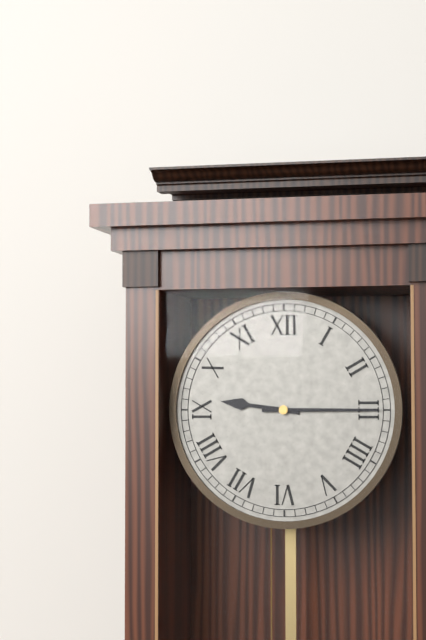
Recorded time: 9:15
